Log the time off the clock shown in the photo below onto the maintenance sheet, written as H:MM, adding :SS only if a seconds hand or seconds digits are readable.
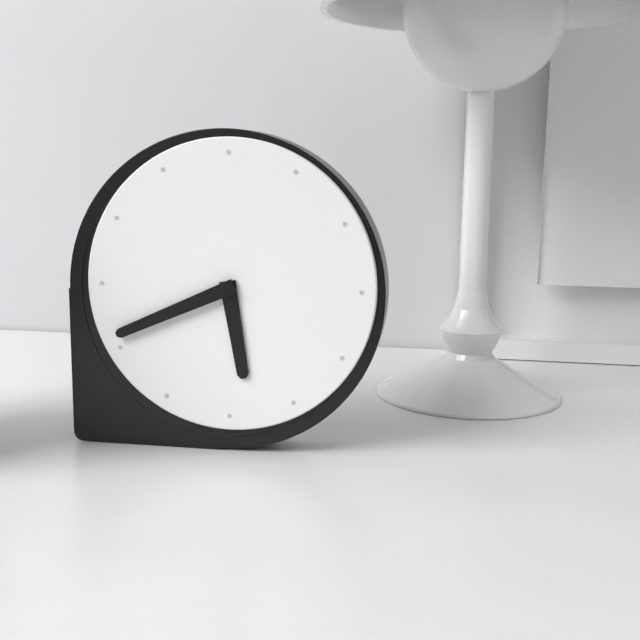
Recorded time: 5:41
